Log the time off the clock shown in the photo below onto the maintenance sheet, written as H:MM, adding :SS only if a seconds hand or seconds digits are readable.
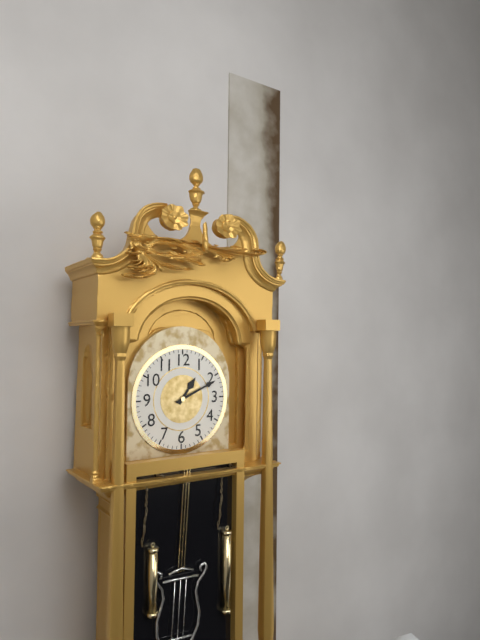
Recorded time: 1:11
